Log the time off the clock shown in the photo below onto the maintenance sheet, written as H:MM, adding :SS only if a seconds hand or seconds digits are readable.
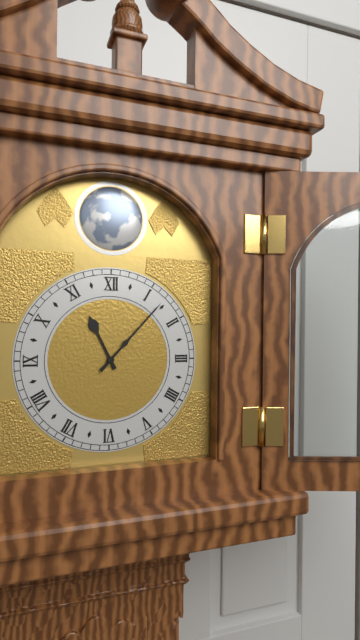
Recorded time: 11:07
